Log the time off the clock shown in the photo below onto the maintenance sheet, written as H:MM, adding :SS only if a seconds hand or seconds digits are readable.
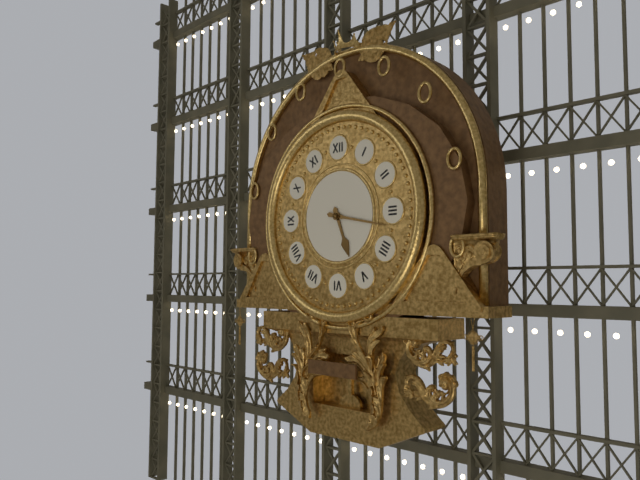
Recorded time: 5:17
